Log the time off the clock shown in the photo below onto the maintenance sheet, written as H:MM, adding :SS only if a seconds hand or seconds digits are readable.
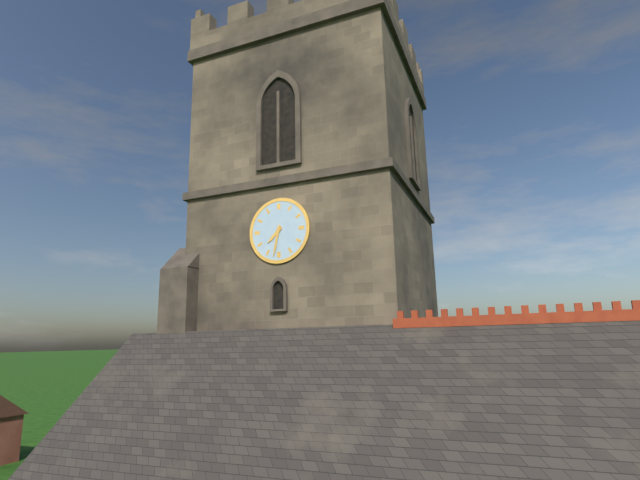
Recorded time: 7:32
